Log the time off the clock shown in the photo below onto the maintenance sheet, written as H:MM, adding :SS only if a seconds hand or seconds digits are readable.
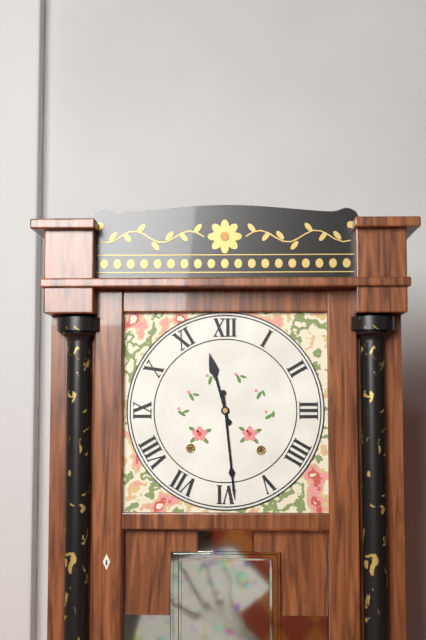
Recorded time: 11:29
